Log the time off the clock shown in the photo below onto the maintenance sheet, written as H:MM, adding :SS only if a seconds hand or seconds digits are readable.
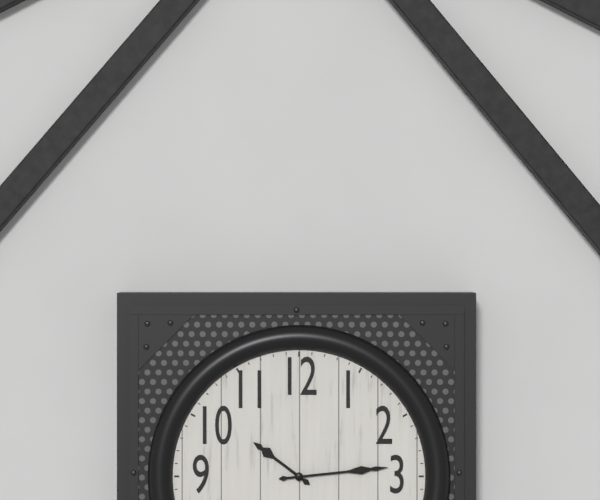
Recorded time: 10:14
